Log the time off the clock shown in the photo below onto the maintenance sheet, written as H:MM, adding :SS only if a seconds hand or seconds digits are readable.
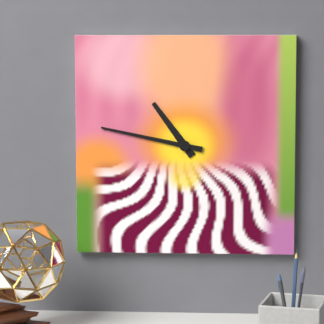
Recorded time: 10:47
